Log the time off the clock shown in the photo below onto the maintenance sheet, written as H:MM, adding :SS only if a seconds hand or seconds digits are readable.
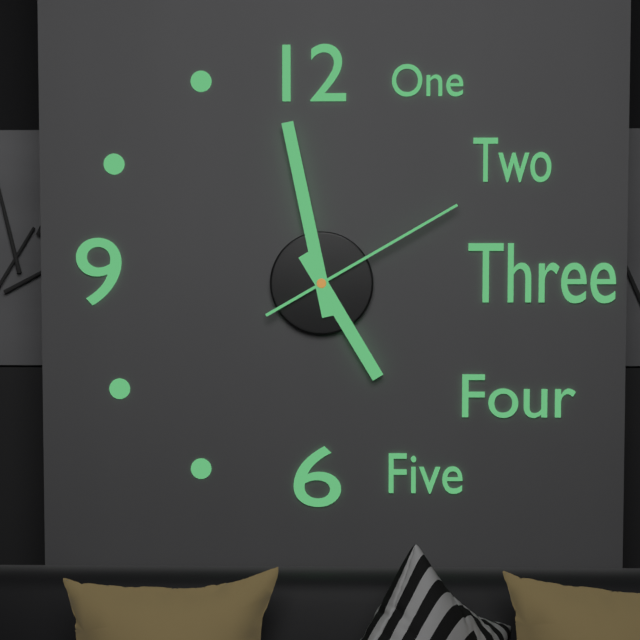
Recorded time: 4:58:10
